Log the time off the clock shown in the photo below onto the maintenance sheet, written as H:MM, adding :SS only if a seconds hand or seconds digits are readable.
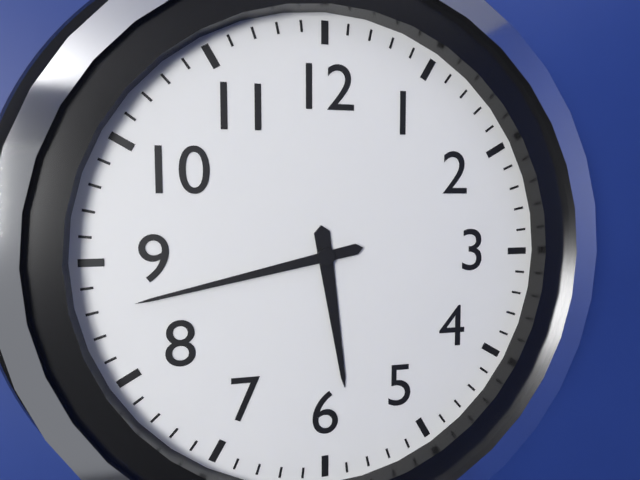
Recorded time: 5:43
